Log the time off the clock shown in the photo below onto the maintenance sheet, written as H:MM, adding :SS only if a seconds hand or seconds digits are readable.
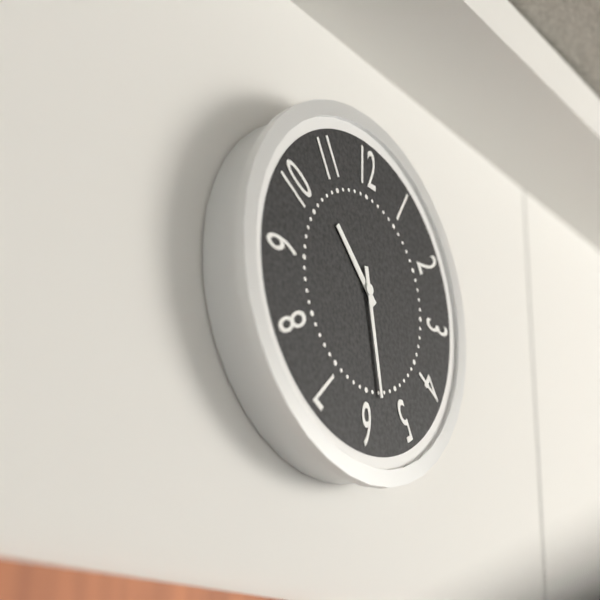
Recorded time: 10:28
